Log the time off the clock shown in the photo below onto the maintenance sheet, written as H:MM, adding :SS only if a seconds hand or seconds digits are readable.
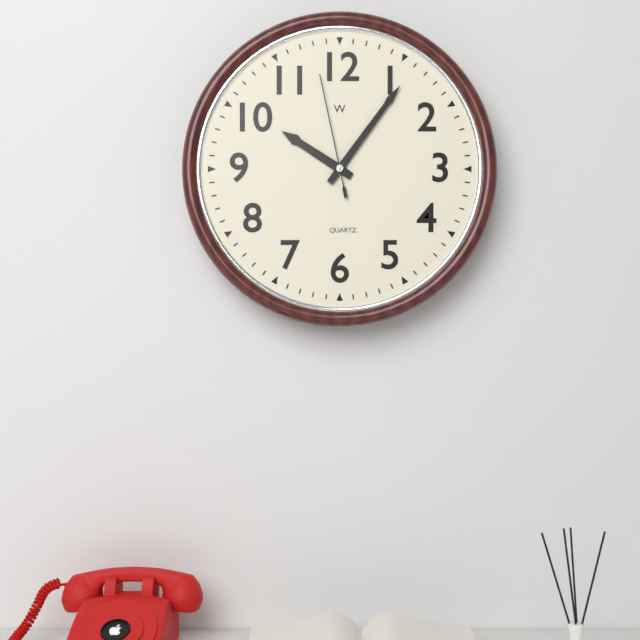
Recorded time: 10:06:58
